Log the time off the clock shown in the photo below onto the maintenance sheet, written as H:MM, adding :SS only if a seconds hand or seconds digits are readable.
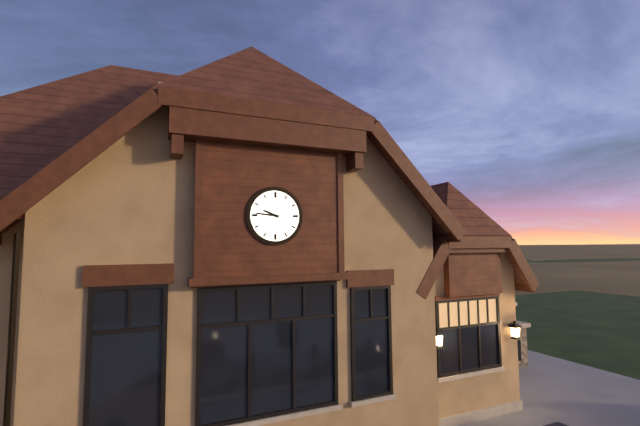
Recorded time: 9:46
